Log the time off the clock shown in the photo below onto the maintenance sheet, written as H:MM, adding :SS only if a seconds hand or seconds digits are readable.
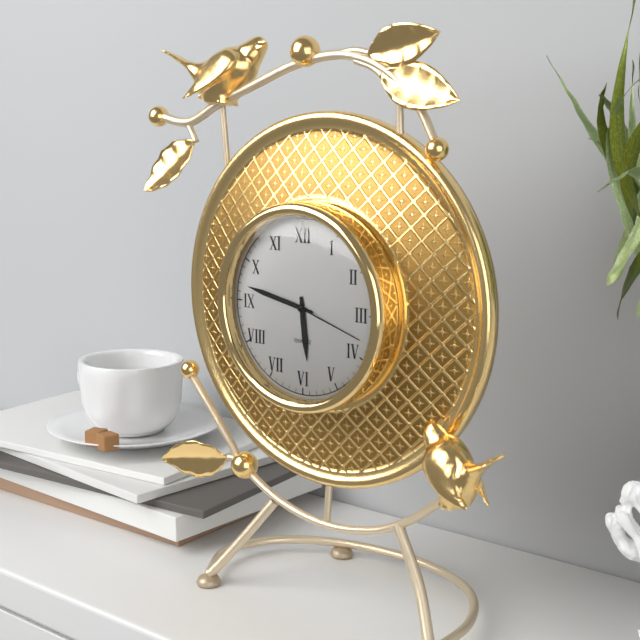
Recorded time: 5:47:18
